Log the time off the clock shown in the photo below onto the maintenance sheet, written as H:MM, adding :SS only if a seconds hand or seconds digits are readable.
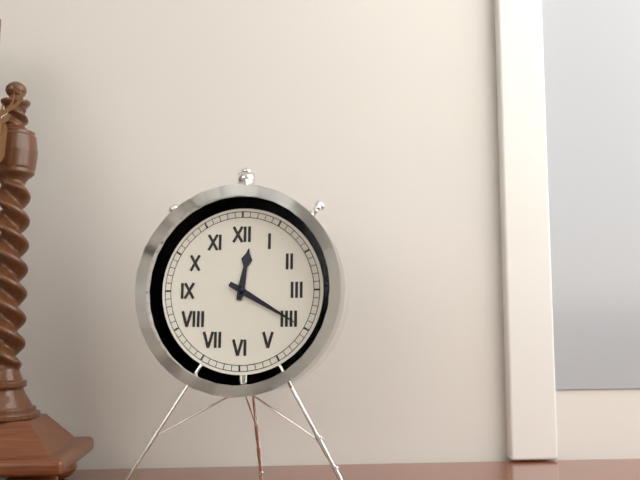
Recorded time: 12:20
